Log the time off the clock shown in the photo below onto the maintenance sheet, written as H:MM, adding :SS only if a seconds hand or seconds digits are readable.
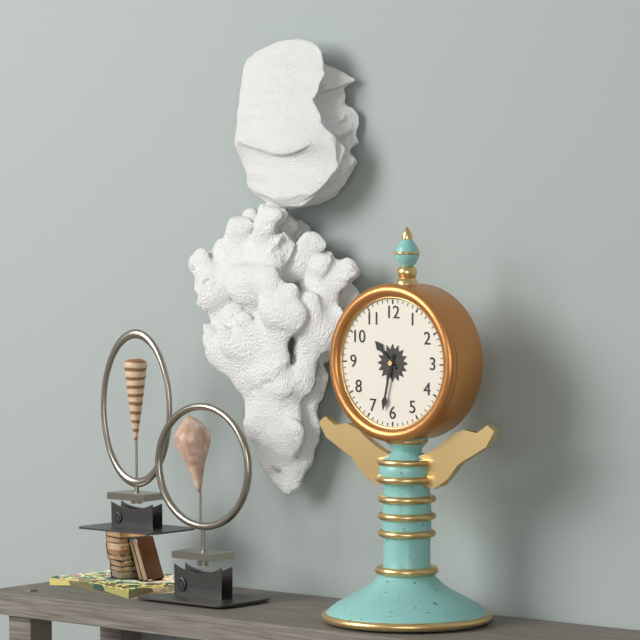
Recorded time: 10:32
